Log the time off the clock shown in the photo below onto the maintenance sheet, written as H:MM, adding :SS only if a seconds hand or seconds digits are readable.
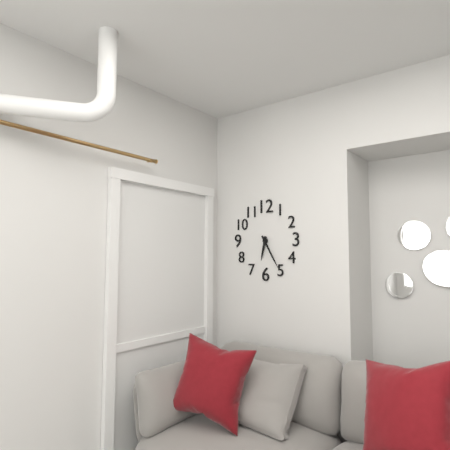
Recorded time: 6:25
